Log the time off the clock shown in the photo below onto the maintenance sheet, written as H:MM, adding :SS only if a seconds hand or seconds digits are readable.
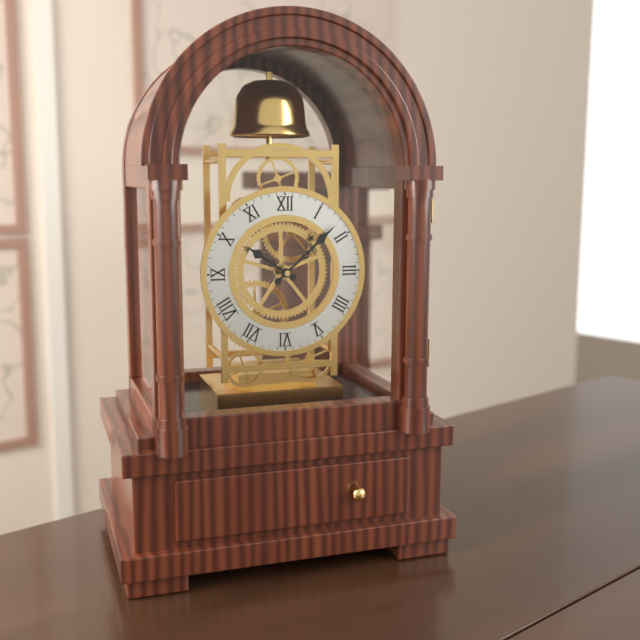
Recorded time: 10:08
